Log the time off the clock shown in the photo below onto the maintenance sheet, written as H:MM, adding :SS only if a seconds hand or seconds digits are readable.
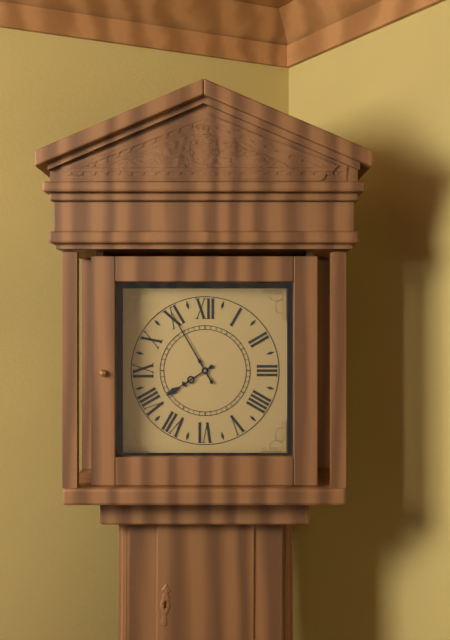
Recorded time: 7:55
